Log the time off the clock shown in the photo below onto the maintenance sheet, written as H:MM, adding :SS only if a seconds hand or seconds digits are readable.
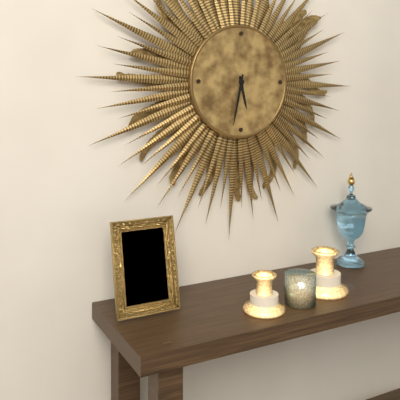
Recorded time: 5:32
